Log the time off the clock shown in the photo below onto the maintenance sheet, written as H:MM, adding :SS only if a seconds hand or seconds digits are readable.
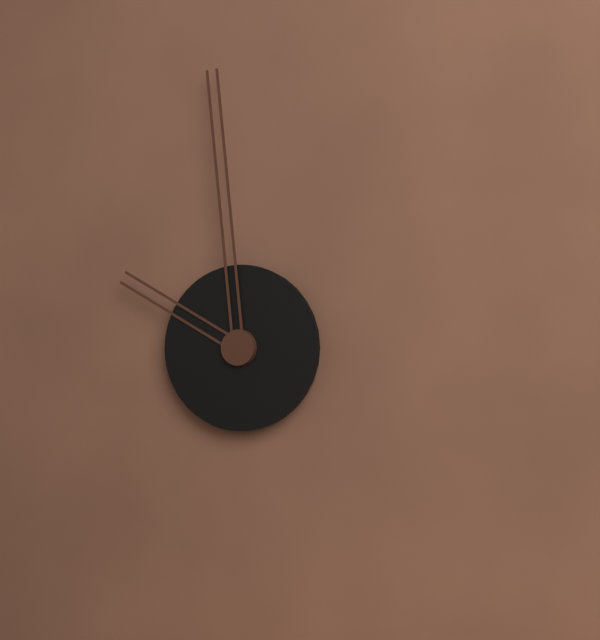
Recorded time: 9:59
